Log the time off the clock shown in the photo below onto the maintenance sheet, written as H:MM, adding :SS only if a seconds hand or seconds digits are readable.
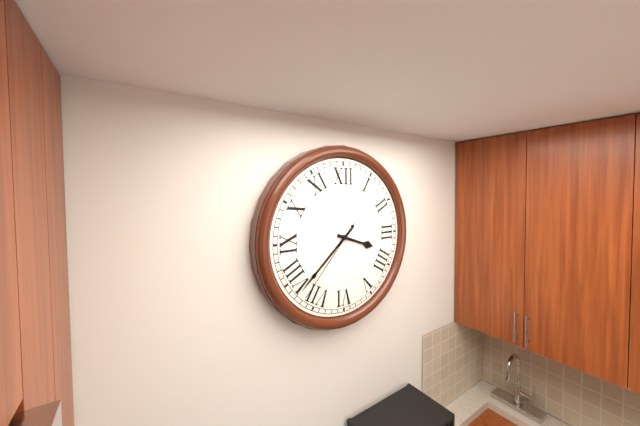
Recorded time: 3:38:37
